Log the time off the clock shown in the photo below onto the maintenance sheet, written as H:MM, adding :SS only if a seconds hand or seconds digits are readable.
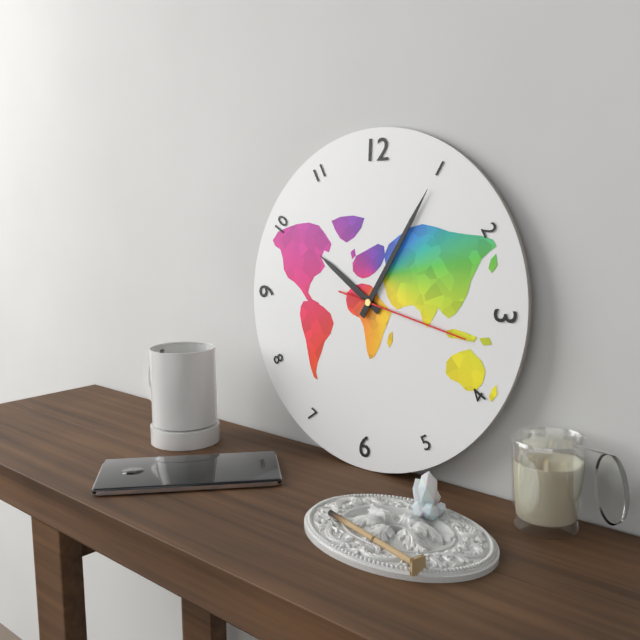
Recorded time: 10:05:17
